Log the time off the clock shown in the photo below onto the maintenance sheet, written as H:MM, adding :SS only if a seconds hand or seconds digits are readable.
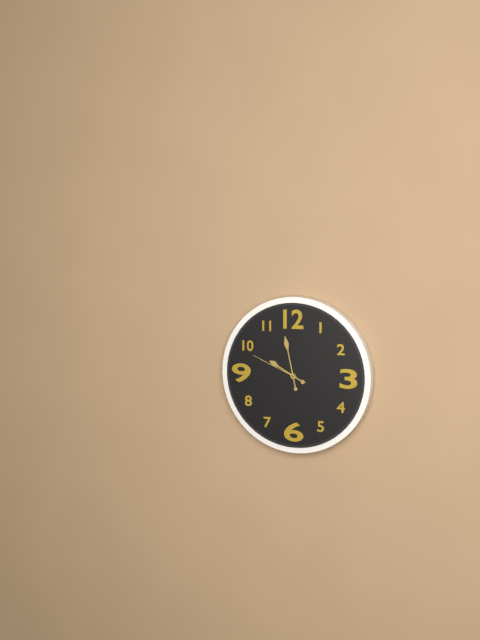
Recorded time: 9:58:49
